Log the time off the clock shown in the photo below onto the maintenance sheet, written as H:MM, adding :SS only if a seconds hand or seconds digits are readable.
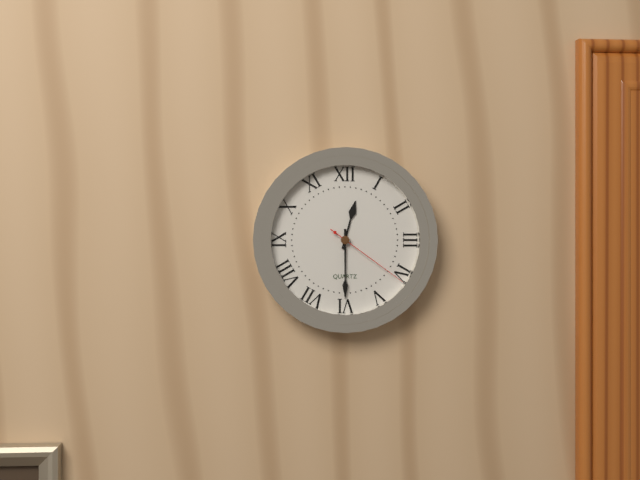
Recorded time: 12:30:21
